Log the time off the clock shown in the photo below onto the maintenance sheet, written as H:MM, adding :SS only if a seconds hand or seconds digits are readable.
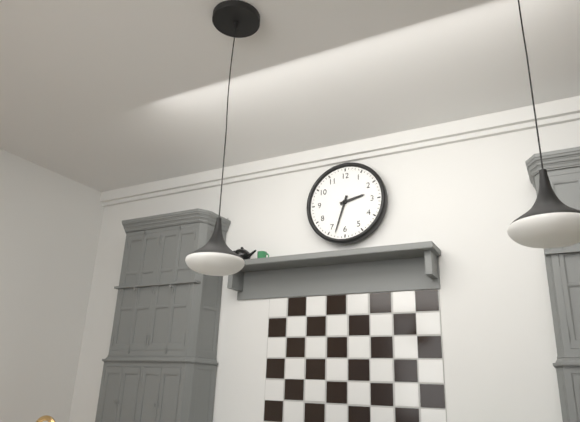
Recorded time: 2:33
